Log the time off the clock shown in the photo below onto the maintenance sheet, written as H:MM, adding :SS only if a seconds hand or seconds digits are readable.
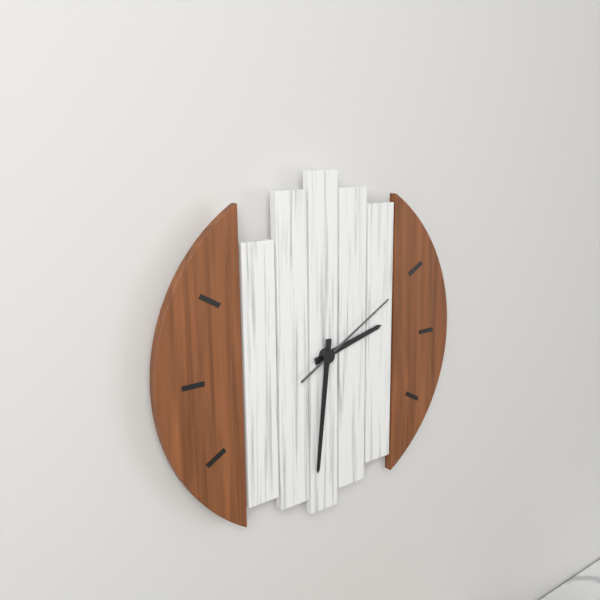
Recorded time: 2:31:10
